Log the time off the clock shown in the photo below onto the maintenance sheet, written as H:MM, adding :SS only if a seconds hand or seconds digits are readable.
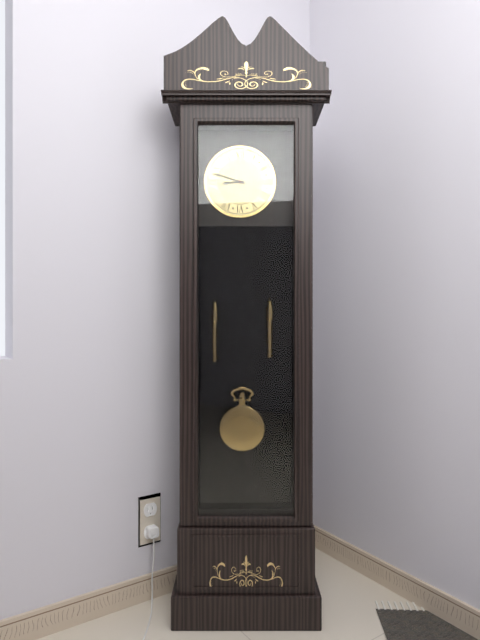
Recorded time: 8:48
